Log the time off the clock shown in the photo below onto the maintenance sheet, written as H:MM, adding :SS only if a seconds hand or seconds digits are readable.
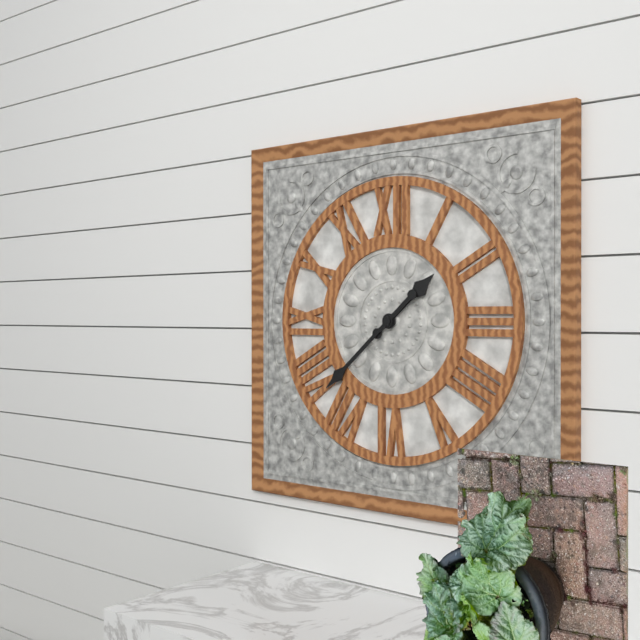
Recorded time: 1:38
